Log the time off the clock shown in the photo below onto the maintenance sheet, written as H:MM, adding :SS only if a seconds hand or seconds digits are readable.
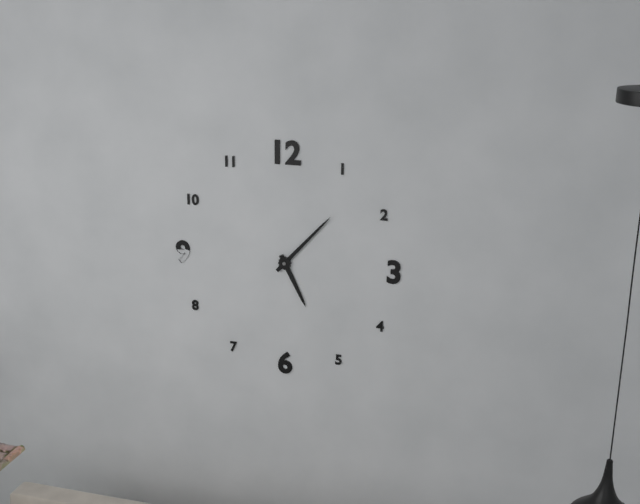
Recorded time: 5:07
